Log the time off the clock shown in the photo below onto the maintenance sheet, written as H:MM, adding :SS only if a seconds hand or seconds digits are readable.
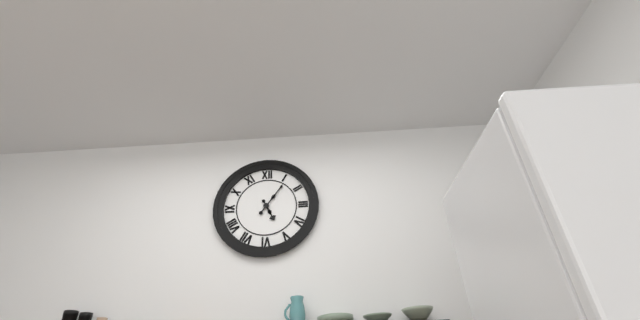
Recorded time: 5:06
